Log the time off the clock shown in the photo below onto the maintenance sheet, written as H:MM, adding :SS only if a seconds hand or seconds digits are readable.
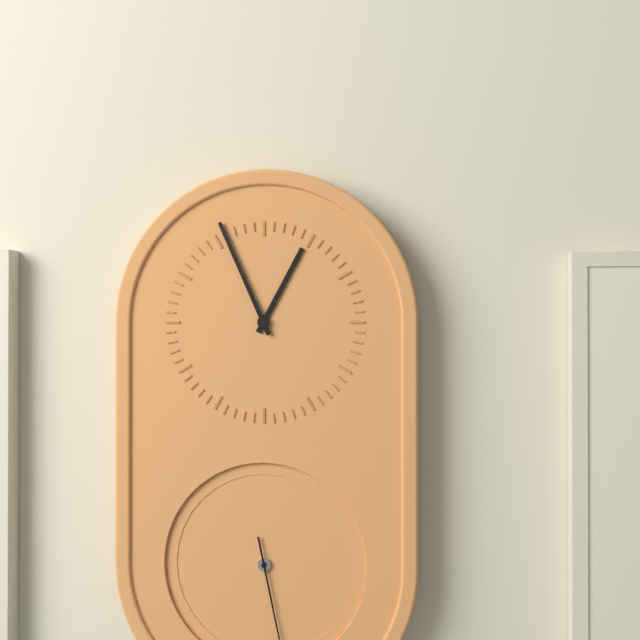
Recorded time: 12:56
